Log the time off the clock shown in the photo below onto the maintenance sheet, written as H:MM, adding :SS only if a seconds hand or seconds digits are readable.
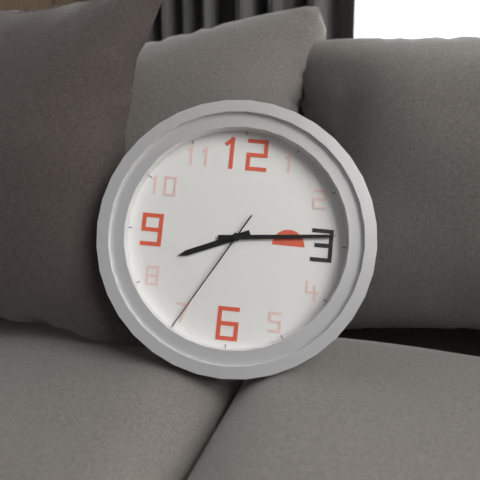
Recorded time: 8:14:35
